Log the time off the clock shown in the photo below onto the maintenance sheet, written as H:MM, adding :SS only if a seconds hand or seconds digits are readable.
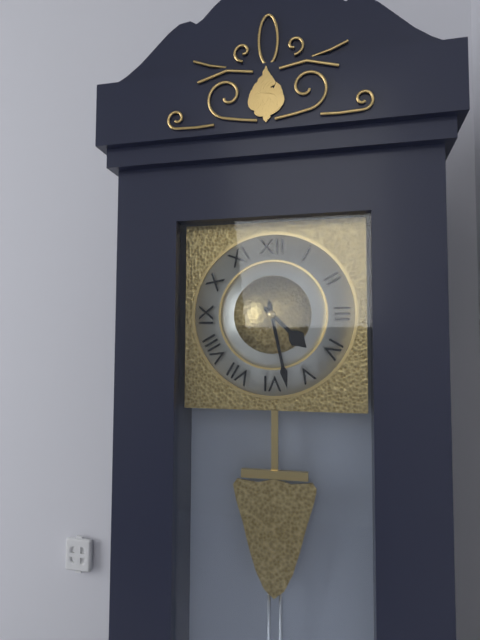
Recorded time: 4:28
